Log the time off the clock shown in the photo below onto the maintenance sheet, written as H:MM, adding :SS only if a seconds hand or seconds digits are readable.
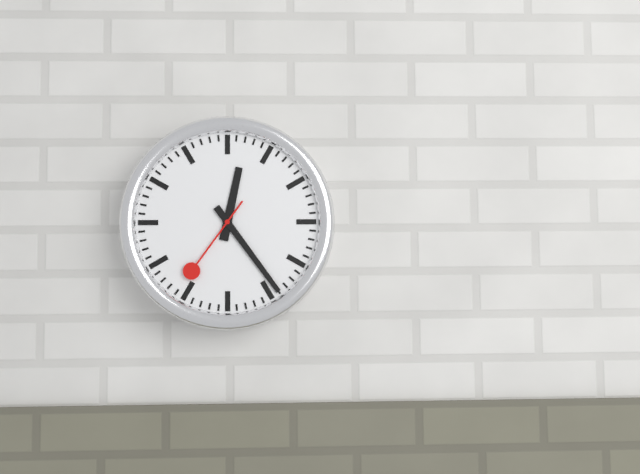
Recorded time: 12:24:36
